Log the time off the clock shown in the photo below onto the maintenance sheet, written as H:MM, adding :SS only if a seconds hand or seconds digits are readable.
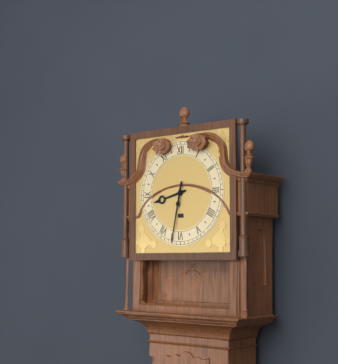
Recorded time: 8:32
